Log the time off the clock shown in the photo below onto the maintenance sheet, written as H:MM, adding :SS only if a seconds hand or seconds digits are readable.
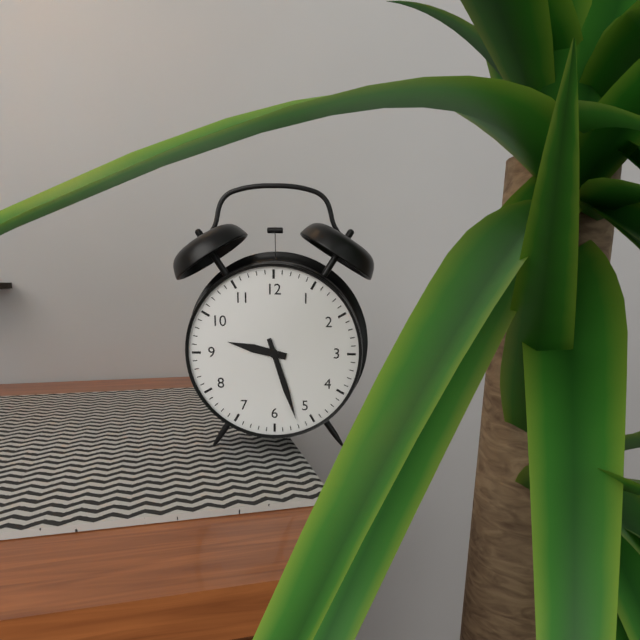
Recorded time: 9:27
